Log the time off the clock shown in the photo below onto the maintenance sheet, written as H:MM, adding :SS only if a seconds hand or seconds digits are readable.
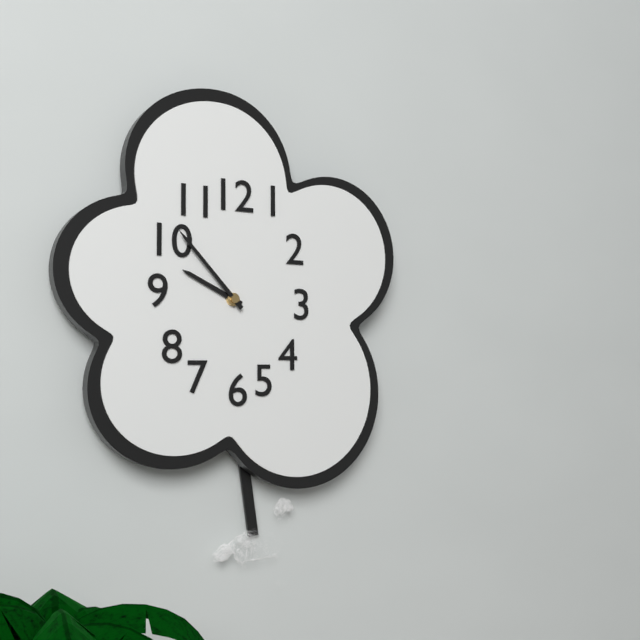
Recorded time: 9:53
